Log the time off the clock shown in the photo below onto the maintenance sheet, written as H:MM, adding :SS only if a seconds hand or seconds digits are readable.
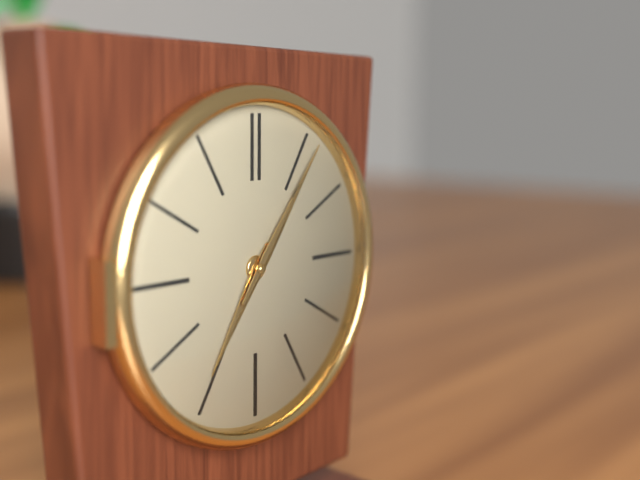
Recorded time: 7:06
